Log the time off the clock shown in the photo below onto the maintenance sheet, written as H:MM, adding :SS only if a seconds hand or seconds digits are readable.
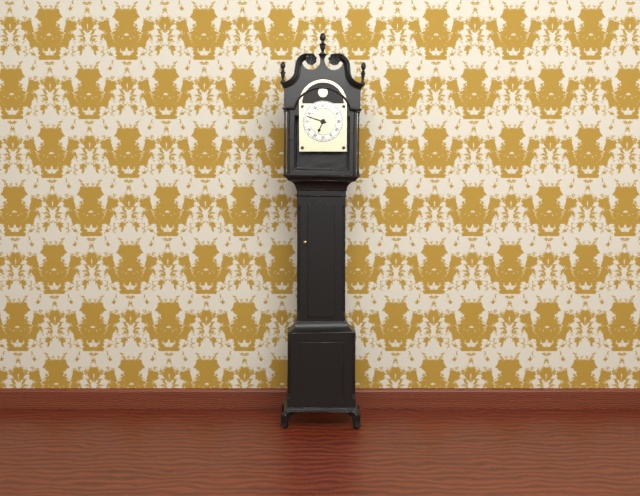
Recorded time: 6:48
